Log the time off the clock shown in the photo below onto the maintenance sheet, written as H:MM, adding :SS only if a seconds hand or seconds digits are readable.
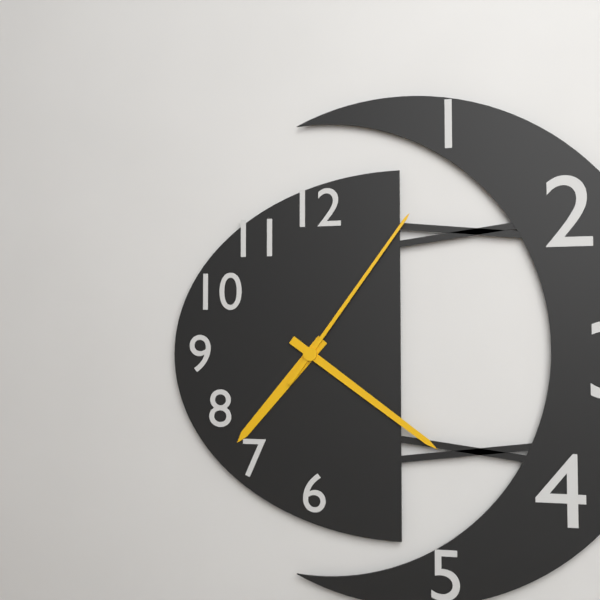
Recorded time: 7:21:06
